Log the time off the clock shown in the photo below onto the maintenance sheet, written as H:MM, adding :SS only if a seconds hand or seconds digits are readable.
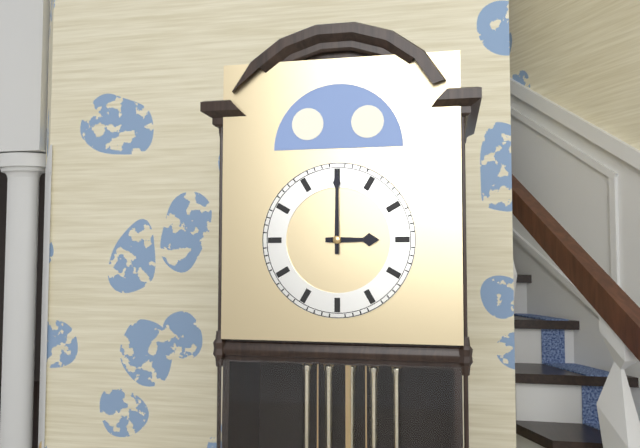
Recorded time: 3:00
